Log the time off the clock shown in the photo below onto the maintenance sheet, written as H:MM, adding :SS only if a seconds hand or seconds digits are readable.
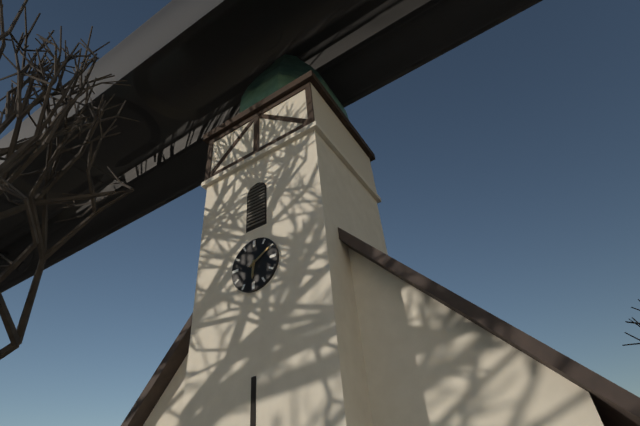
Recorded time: 6:10
